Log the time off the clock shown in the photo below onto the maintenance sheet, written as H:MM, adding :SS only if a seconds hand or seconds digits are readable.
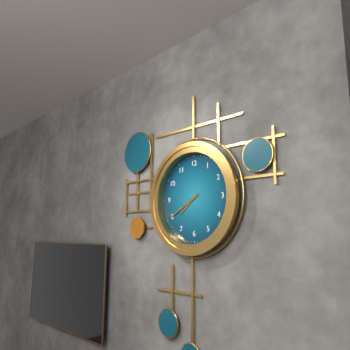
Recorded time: 7:40
